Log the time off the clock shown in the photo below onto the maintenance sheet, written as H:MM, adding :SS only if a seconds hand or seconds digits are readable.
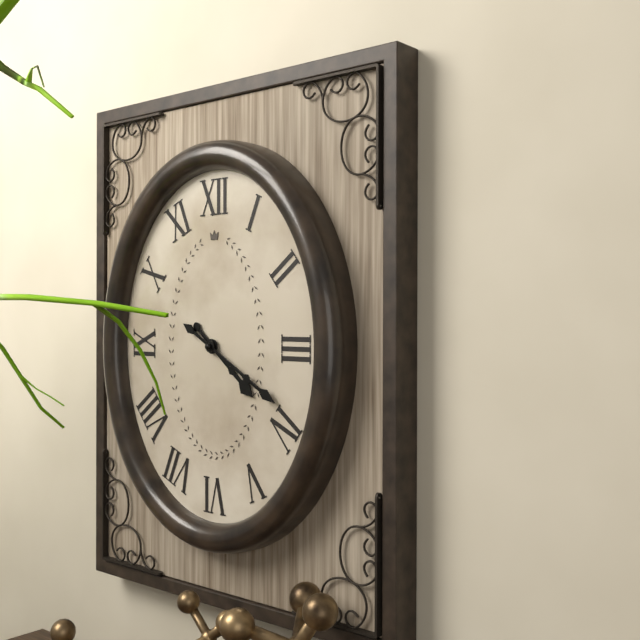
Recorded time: 4:20
